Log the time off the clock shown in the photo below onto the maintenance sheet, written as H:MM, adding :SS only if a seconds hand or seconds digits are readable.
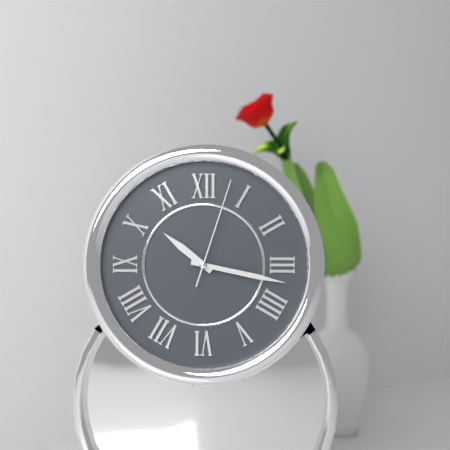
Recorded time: 10:17:03
